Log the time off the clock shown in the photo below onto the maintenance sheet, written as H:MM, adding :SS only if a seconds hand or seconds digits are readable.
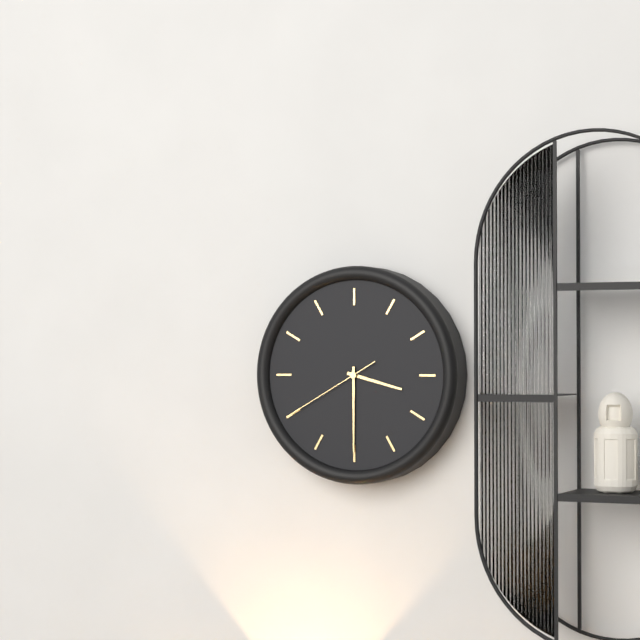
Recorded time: 3:30:40
